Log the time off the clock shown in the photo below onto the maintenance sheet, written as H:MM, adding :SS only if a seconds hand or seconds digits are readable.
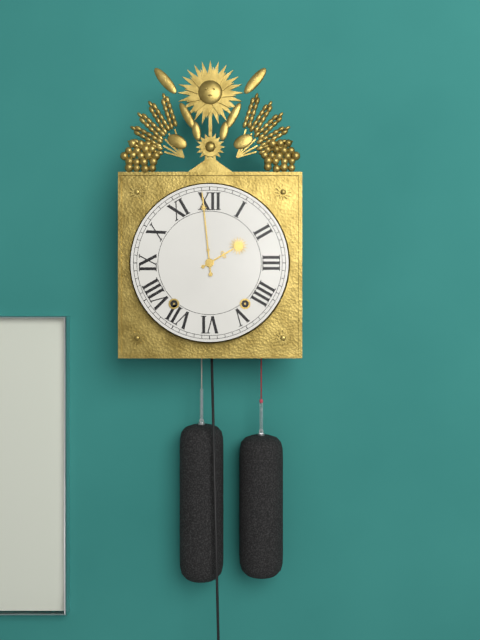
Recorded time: 1:59
